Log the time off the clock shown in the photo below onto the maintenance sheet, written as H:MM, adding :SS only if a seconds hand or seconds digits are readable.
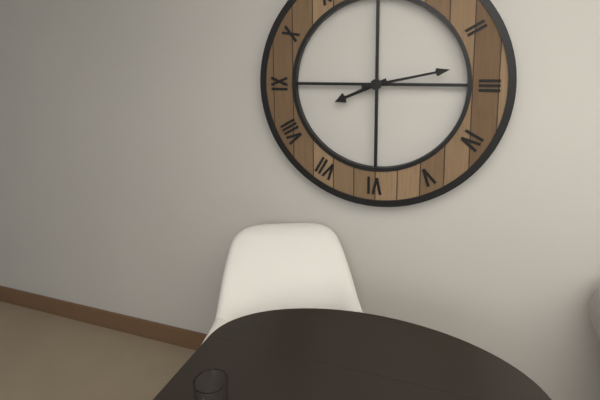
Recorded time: 8:13
